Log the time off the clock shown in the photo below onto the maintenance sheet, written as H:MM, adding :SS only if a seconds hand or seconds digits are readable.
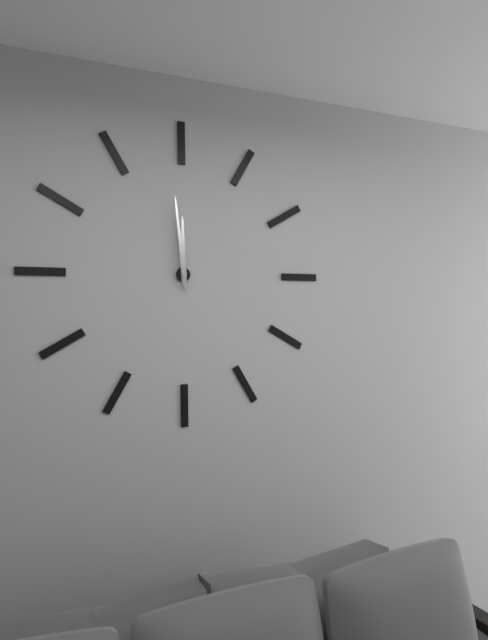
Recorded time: 11:59
